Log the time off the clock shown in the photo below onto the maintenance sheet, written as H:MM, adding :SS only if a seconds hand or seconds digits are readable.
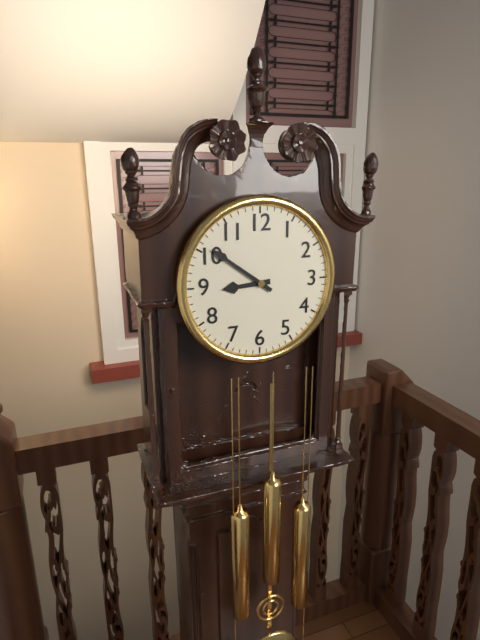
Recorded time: 8:51
